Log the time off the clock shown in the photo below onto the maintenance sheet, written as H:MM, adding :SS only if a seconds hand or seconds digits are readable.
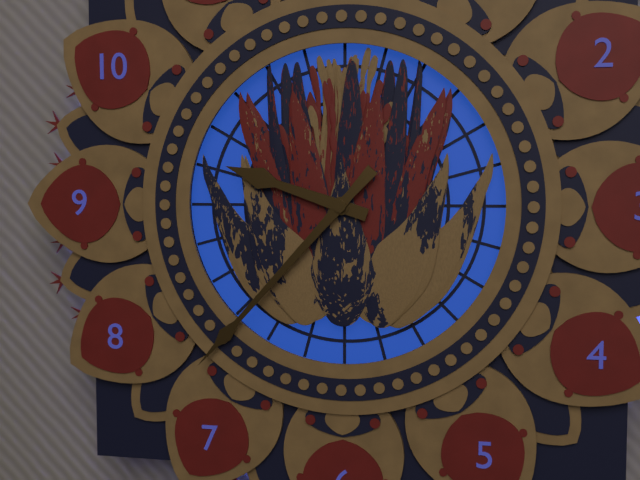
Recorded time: 9:37
